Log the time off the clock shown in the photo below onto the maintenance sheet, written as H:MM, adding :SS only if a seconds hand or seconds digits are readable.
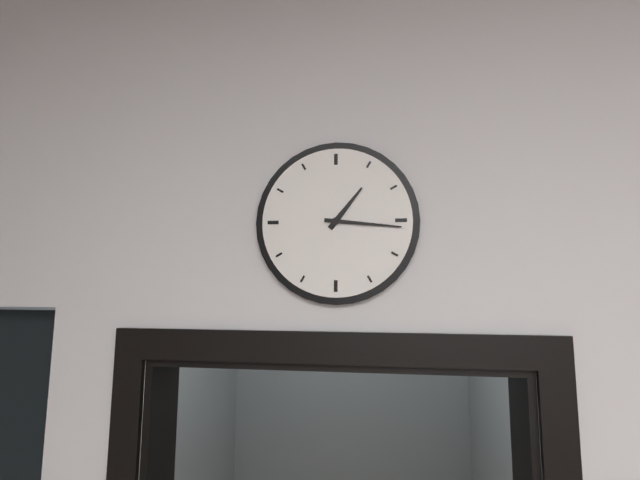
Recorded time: 1:16
